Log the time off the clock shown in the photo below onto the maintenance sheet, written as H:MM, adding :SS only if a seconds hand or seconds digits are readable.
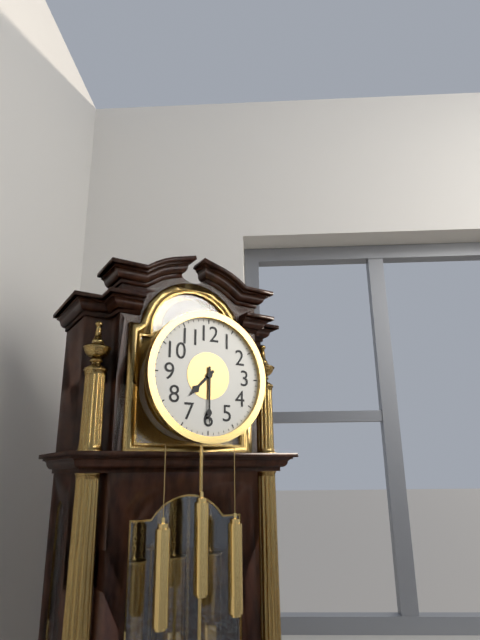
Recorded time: 7:30
